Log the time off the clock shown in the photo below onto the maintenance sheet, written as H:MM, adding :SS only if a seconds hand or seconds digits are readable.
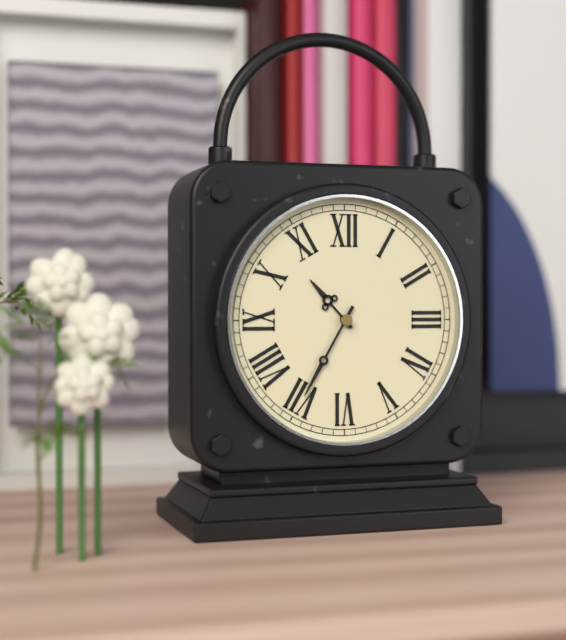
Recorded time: 10:35
